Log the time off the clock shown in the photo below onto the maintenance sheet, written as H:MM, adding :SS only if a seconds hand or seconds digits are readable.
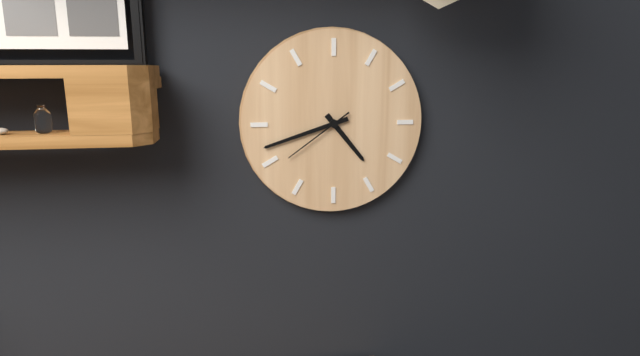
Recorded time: 4:42:39
